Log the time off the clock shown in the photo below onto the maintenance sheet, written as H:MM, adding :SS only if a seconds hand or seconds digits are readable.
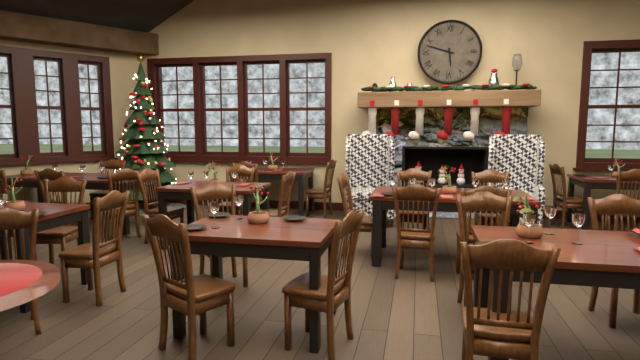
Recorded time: 5:48
